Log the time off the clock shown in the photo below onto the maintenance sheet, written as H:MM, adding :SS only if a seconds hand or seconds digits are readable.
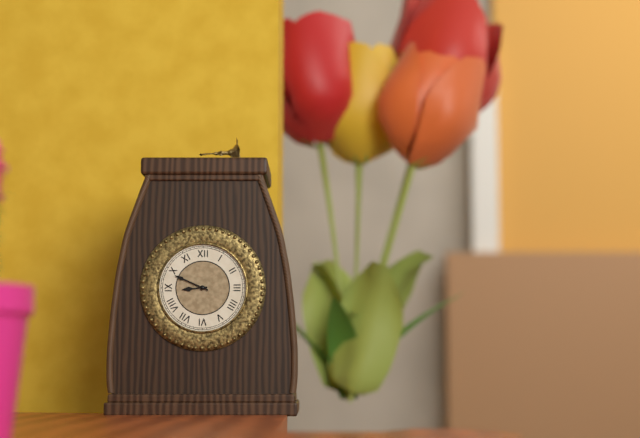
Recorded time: 8:49
